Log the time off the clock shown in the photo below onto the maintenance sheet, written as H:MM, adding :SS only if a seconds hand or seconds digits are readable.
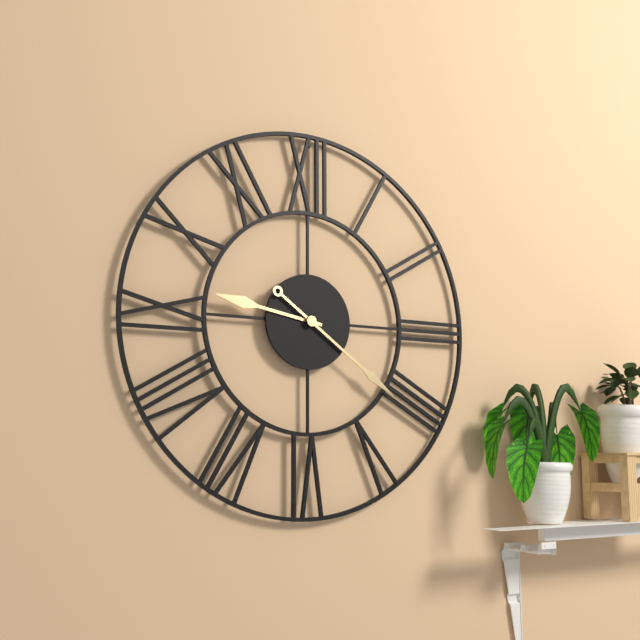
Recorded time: 9:21
